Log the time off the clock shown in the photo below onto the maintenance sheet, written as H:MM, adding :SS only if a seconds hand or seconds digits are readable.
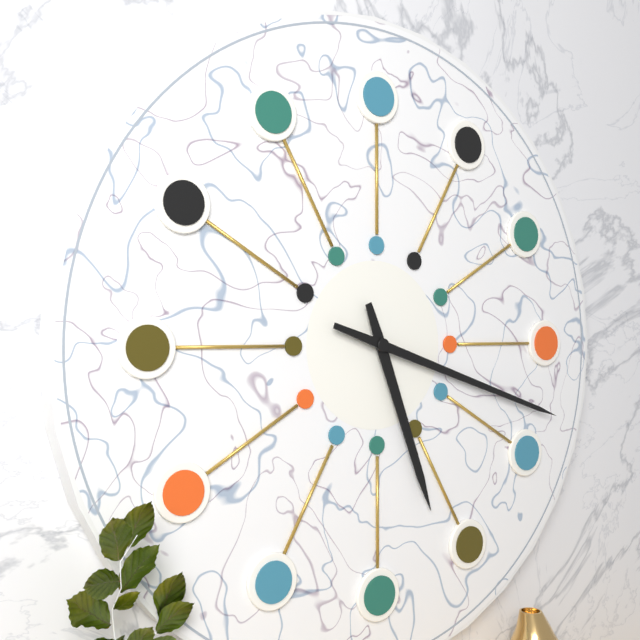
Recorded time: 5:18
